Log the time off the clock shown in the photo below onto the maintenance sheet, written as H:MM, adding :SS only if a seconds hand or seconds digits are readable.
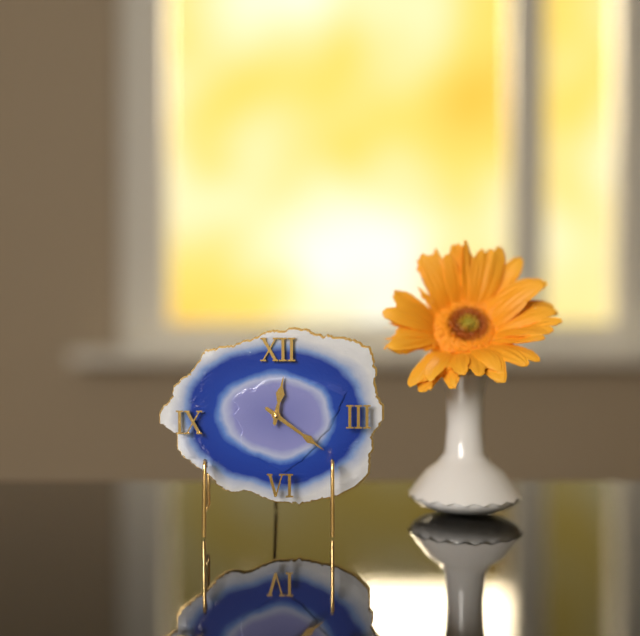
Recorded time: 12:21
